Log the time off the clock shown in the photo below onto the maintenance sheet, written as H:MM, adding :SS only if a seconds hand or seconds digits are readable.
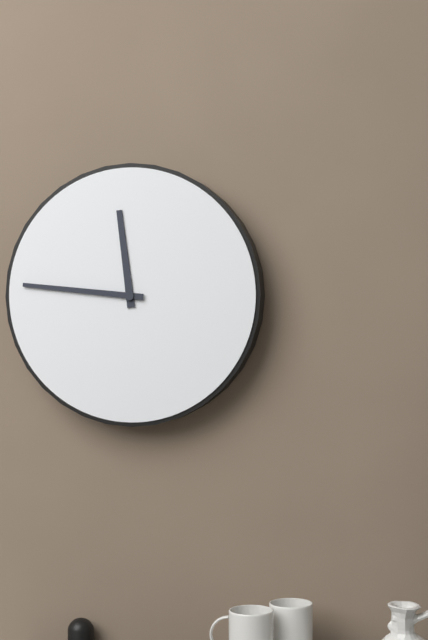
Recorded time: 11:46
